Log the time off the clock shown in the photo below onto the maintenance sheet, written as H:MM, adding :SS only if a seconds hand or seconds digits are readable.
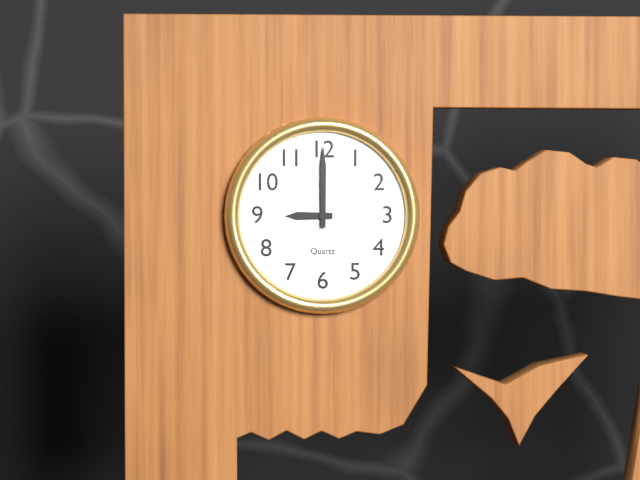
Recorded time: 9:00
